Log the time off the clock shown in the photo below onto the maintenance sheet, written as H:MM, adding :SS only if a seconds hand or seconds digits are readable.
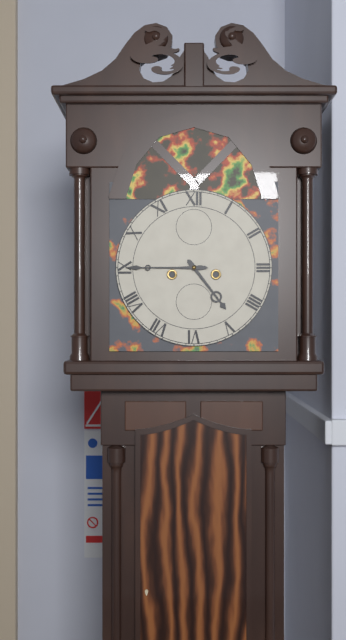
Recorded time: 4:45
